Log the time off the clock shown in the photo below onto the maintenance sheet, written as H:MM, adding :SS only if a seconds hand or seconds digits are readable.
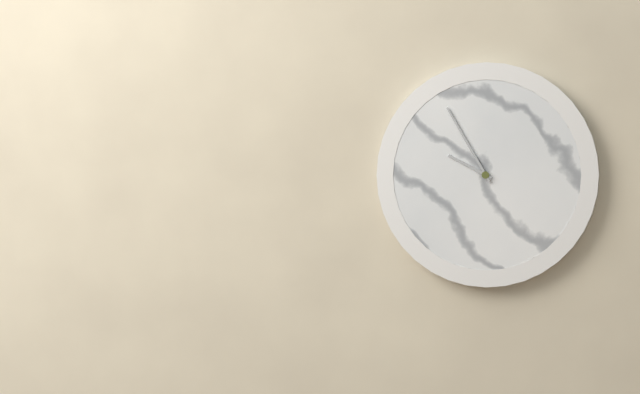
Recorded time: 9:55
